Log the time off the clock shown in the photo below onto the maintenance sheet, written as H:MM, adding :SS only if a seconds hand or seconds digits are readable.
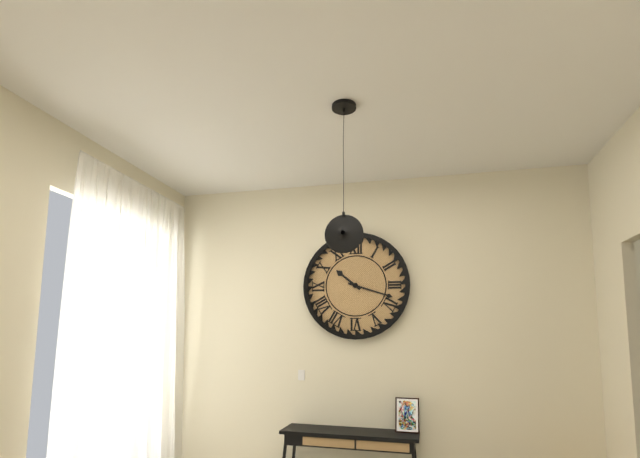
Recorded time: 10:18
